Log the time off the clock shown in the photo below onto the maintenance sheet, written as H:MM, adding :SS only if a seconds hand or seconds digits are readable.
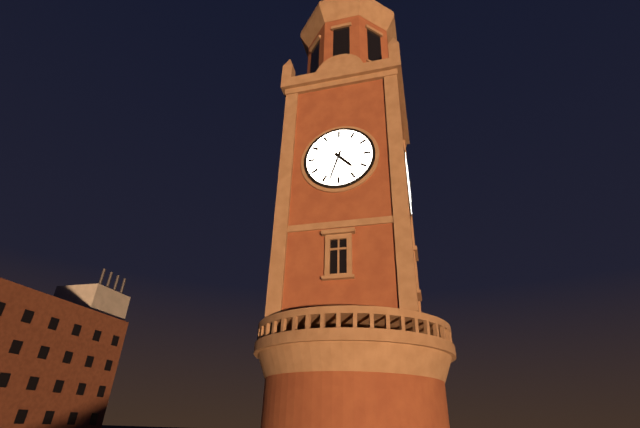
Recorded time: 4:33
